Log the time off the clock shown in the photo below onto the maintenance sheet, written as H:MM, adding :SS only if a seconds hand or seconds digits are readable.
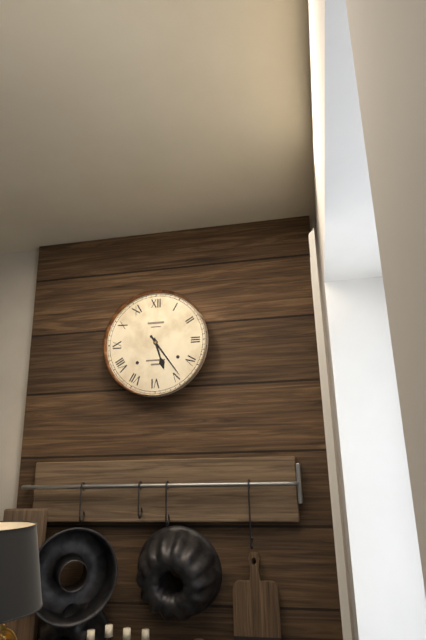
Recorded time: 5:24
